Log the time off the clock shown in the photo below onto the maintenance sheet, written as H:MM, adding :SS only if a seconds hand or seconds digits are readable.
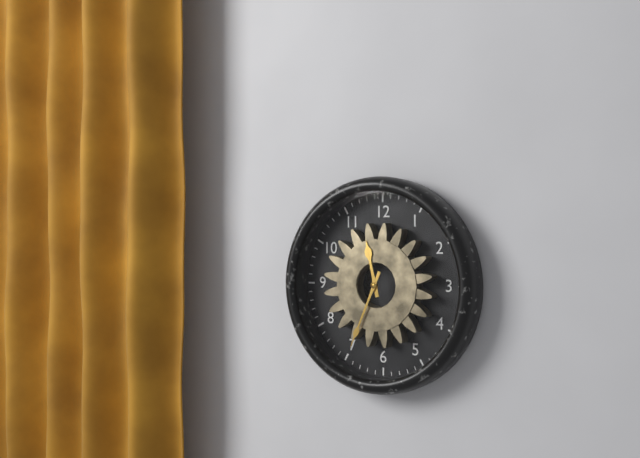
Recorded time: 11:34
